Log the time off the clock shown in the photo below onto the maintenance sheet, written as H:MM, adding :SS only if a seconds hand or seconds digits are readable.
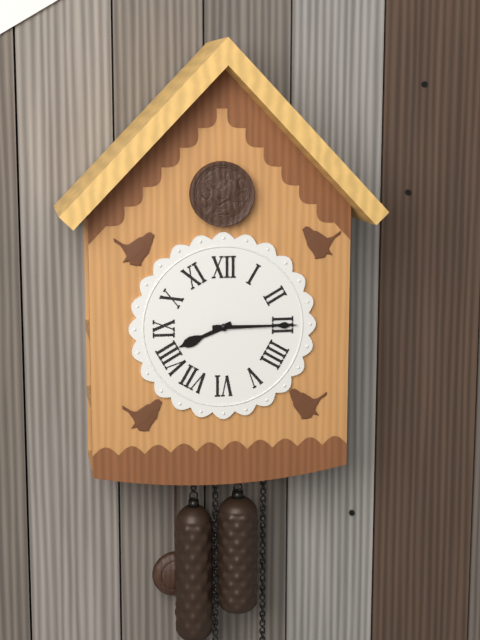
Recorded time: 8:15
